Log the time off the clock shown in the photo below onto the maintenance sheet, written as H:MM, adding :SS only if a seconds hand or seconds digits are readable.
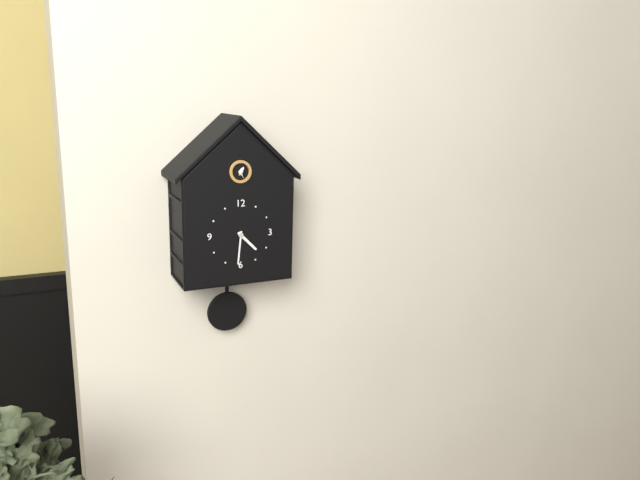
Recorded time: 4:31
